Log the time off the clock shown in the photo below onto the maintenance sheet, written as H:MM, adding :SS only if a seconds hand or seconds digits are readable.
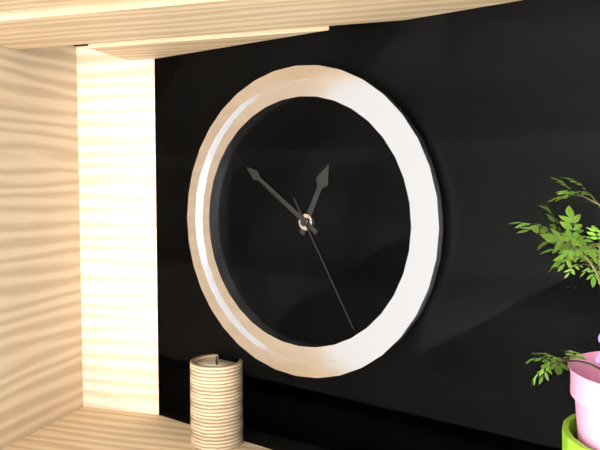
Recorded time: 12:51:25
